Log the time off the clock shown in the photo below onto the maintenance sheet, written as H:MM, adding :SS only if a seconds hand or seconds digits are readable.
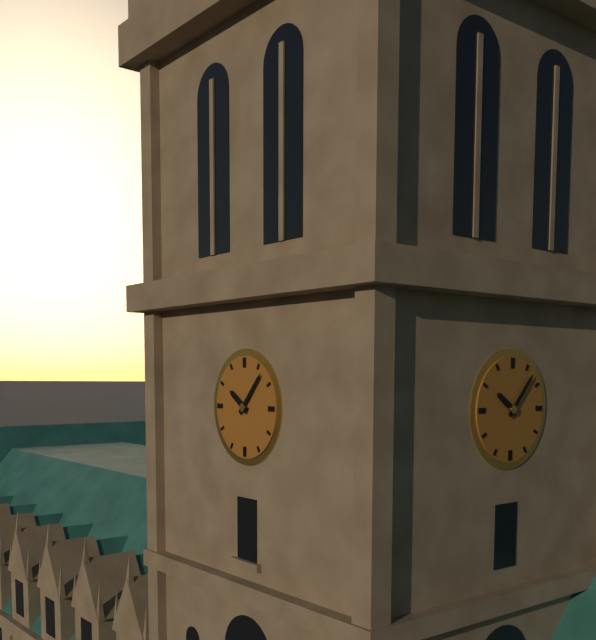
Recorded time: 10:07
